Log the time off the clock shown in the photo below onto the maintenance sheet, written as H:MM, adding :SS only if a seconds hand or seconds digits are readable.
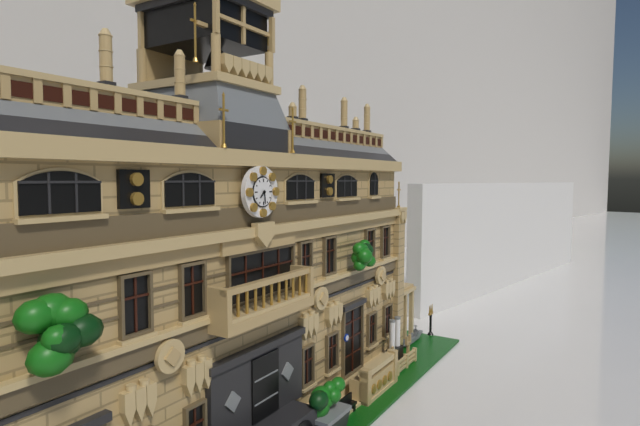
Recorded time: 7:29
